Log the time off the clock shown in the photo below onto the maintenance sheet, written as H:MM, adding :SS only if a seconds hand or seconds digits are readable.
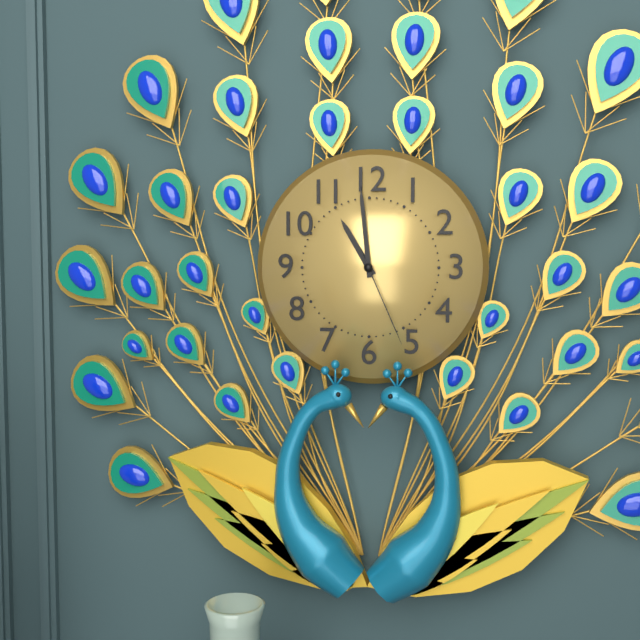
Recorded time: 10:59:26
